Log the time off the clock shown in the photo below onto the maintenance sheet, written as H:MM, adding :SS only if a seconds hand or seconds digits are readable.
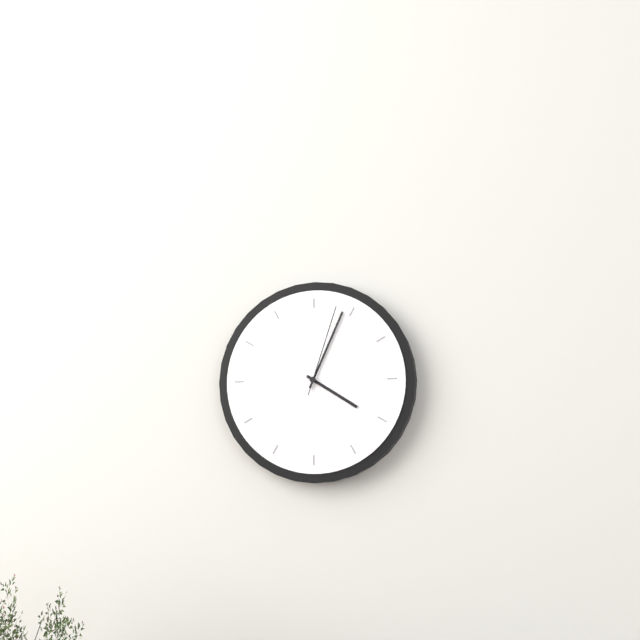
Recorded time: 4:04:03
